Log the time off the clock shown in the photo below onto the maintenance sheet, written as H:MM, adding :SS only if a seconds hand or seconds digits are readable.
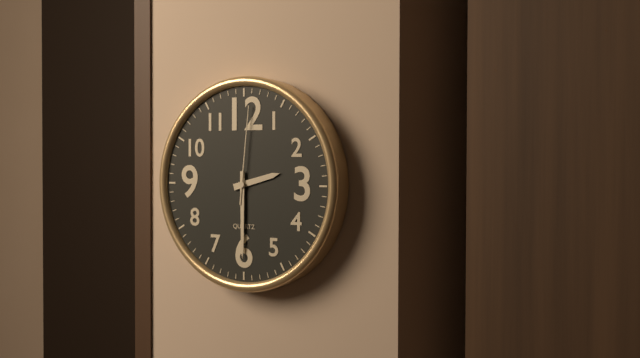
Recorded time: 2:30:01
